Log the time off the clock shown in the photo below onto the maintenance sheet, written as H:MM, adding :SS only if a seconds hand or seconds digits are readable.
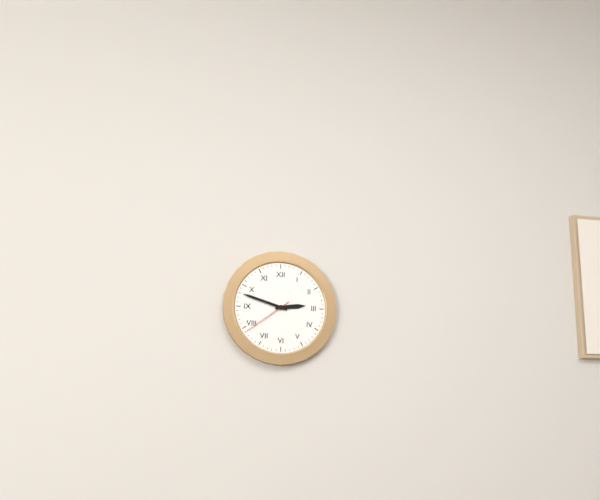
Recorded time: 2:48:39
